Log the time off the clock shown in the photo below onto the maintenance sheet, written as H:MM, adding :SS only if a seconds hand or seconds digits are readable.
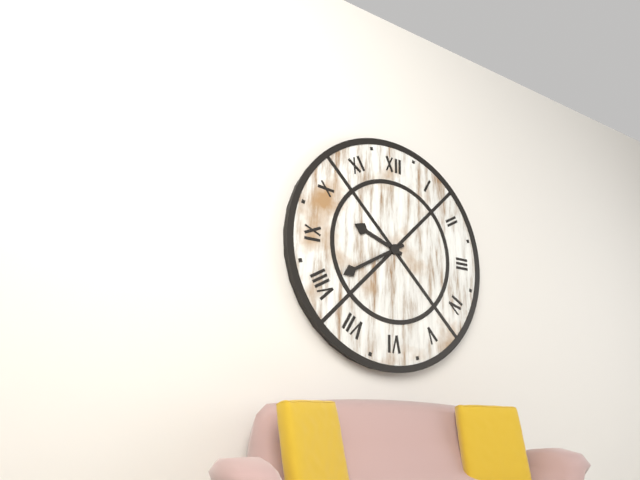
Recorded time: 9:40
